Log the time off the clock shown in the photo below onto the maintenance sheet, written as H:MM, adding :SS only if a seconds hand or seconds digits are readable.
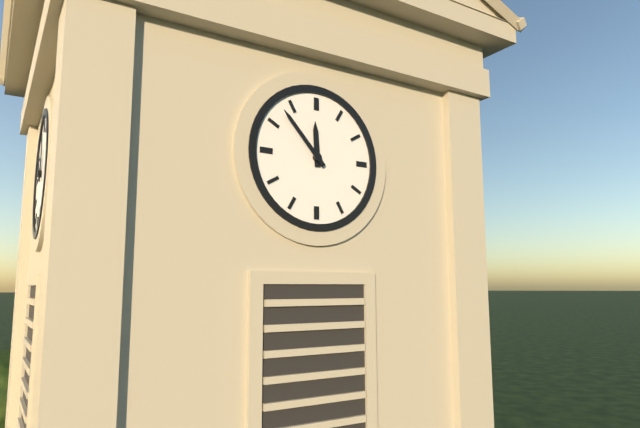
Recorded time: 11:53
